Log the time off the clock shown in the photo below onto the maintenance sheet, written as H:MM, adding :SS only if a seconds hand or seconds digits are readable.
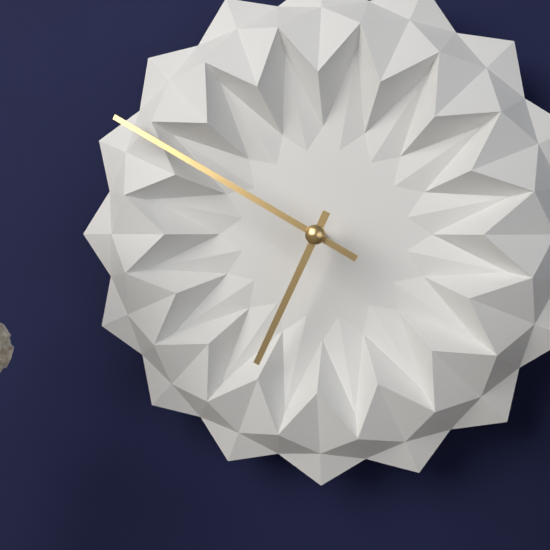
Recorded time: 6:50
